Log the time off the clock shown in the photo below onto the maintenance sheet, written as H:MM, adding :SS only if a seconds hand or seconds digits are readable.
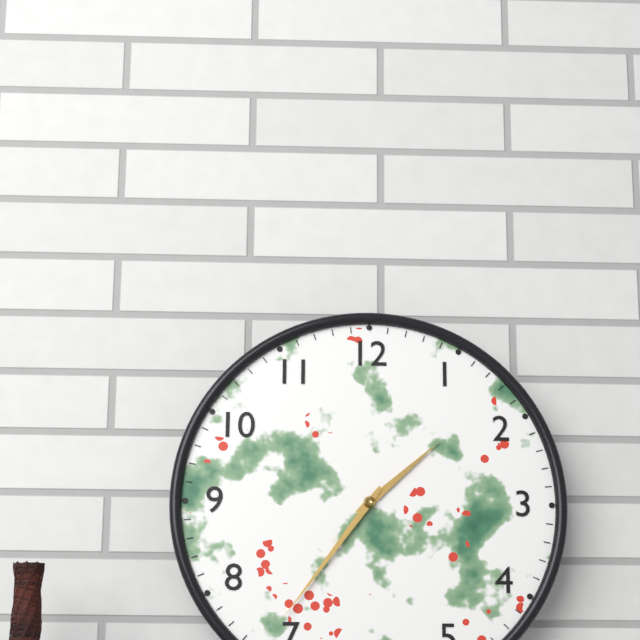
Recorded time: 1:36
